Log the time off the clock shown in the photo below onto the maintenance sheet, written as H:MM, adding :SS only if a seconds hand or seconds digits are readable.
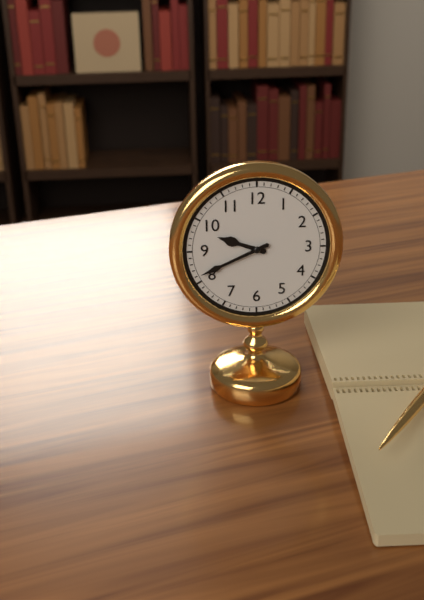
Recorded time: 9:41
